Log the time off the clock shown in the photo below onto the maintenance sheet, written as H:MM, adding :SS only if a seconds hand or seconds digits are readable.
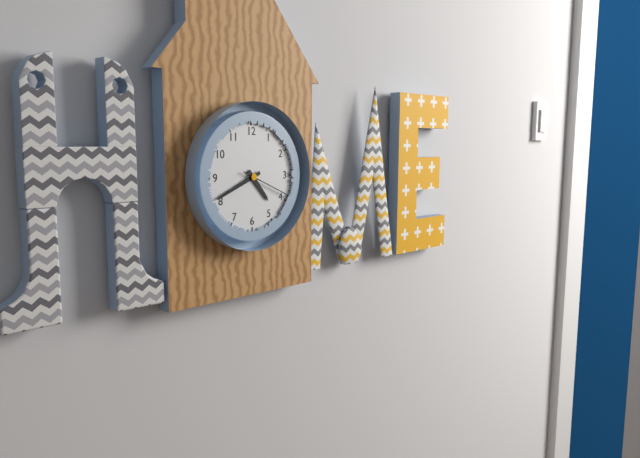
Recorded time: 4:41:19
